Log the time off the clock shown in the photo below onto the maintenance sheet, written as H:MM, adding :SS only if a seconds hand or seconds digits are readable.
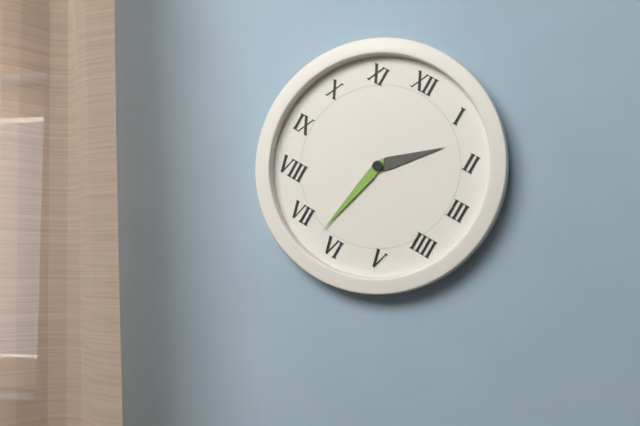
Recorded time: 1:32
